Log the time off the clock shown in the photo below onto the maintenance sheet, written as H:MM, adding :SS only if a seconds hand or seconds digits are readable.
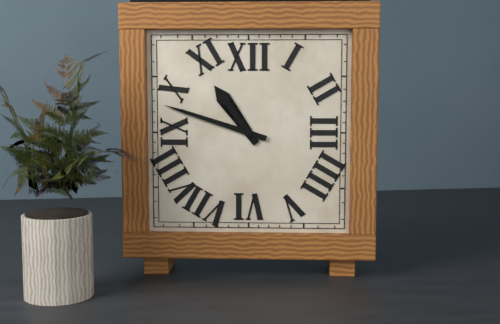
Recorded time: 10:48
